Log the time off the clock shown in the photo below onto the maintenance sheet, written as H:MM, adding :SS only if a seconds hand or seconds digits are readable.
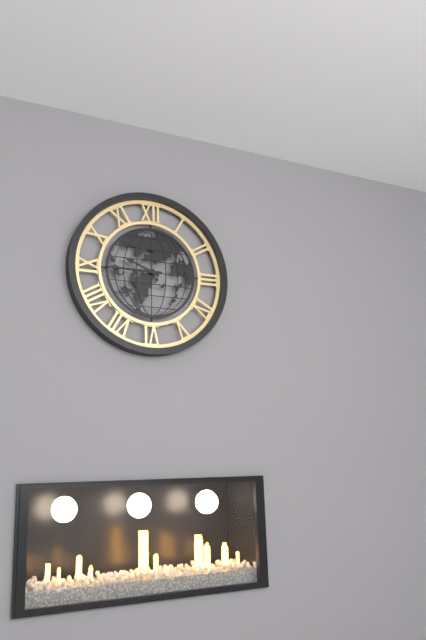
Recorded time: 9:45
